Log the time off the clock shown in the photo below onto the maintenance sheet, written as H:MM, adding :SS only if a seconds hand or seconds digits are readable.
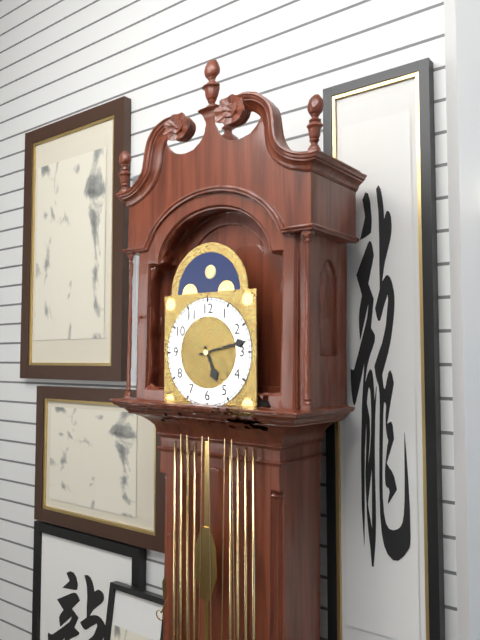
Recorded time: 5:13
